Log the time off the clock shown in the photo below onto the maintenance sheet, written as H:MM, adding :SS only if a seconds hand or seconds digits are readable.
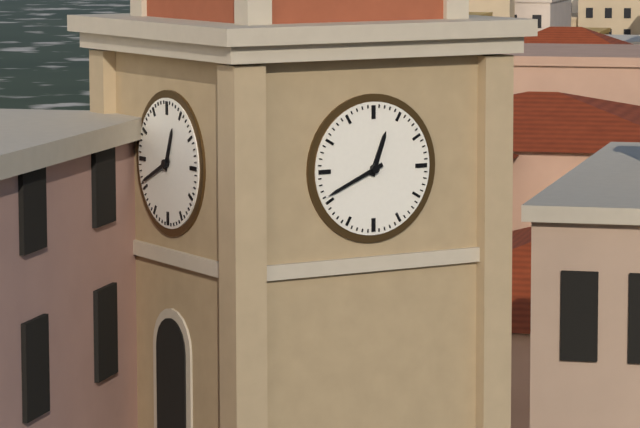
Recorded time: 12:41
